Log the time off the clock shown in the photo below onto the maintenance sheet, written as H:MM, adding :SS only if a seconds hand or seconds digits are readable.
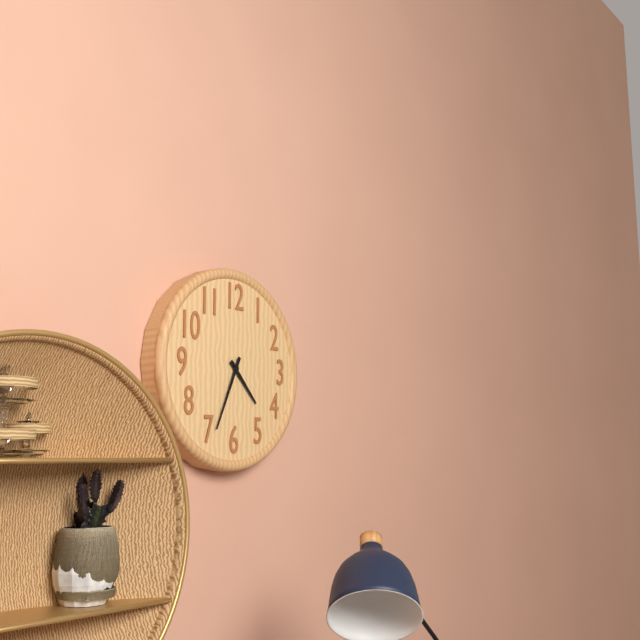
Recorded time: 4:34
